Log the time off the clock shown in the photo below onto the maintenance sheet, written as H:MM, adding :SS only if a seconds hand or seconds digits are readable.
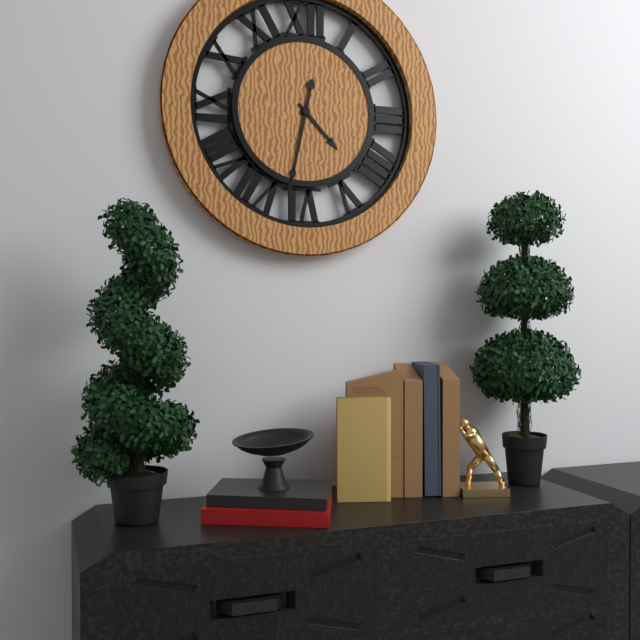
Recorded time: 4:32
